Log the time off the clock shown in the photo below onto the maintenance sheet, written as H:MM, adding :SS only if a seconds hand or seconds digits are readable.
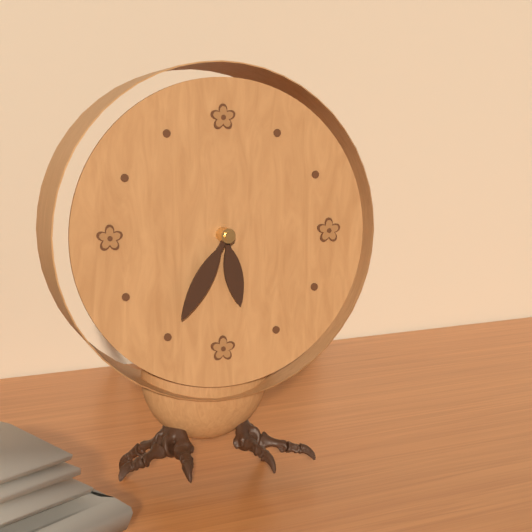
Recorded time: 5:35
